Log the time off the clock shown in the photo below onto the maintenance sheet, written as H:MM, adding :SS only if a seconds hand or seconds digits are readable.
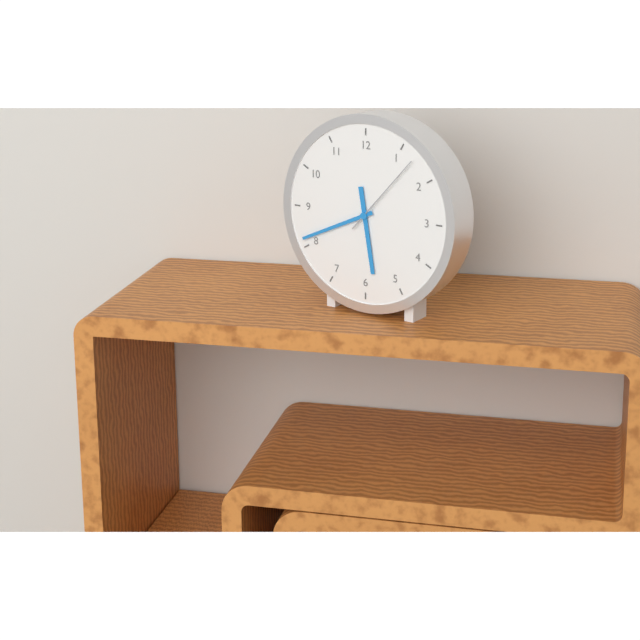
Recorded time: 5:41:07
